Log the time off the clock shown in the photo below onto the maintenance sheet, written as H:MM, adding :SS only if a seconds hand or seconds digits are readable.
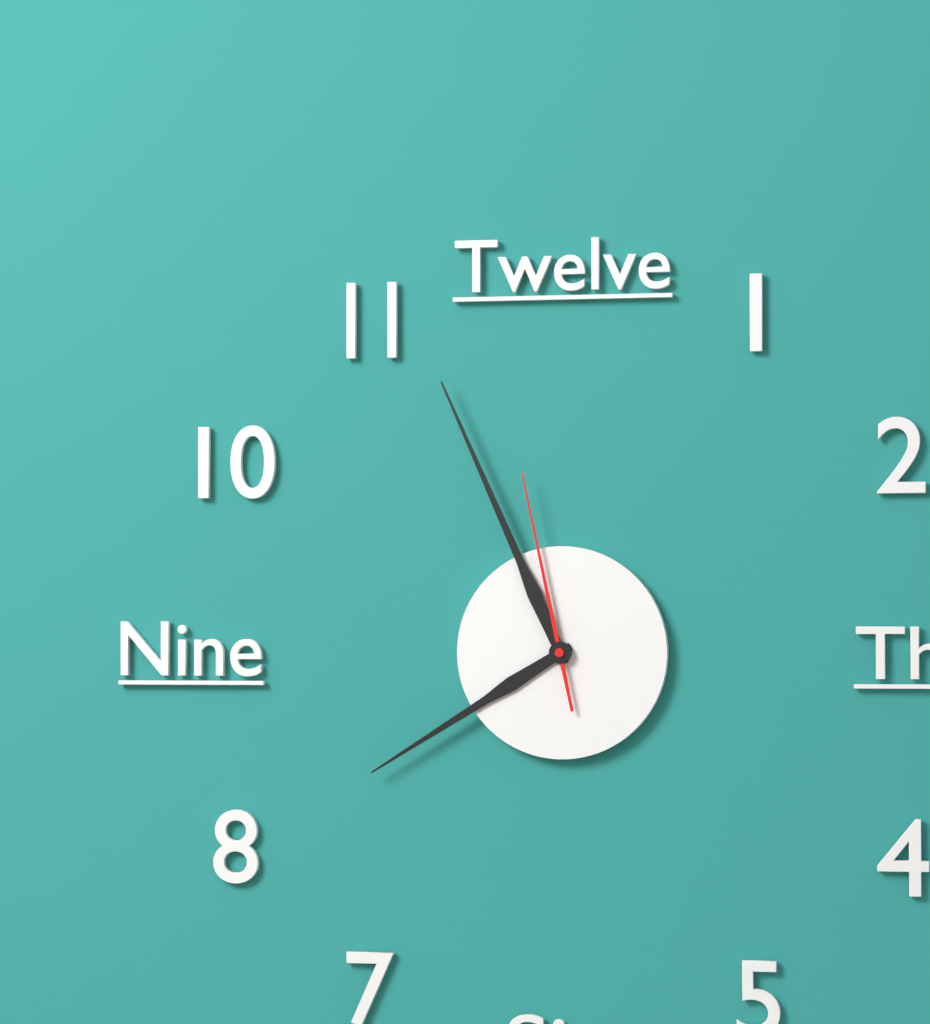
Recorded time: 7:56:58
